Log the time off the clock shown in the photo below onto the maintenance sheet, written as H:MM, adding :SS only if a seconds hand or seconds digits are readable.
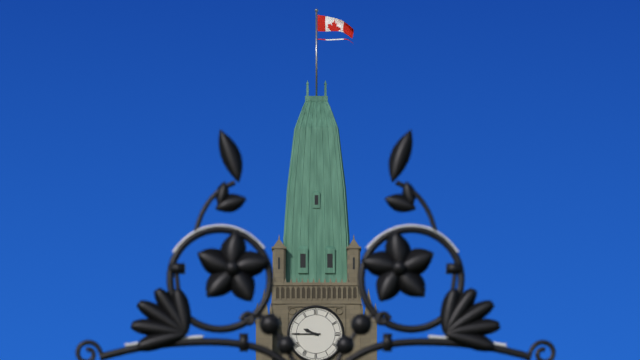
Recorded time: 9:45
